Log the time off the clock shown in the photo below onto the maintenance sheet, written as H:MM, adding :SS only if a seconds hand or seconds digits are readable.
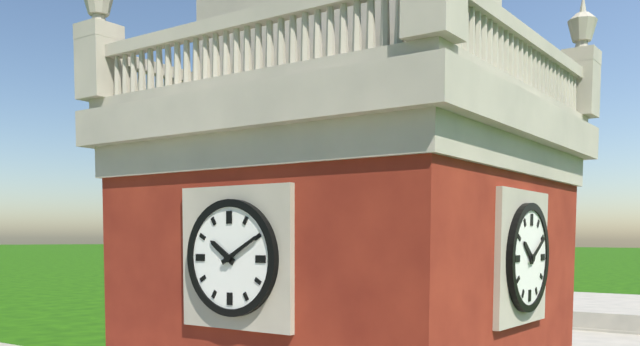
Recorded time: 10:10
